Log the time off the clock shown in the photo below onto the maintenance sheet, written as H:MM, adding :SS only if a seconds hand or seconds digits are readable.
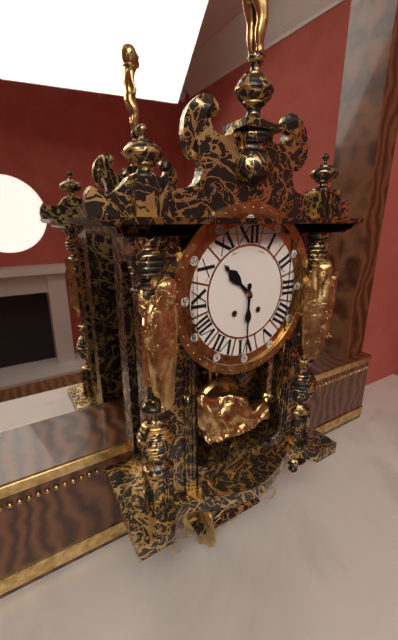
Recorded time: 10:30
